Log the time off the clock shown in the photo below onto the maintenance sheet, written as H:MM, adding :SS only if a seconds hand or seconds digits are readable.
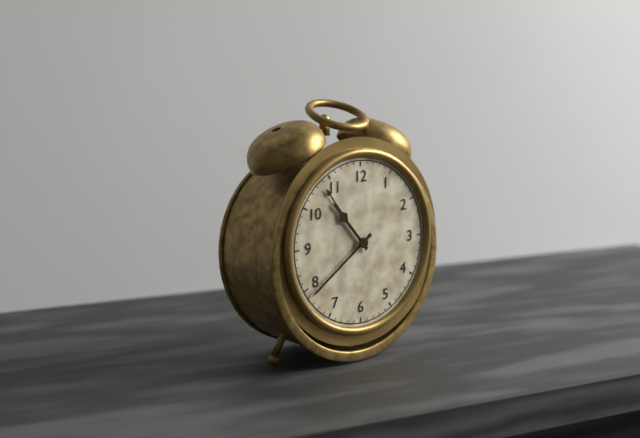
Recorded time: 10:39
